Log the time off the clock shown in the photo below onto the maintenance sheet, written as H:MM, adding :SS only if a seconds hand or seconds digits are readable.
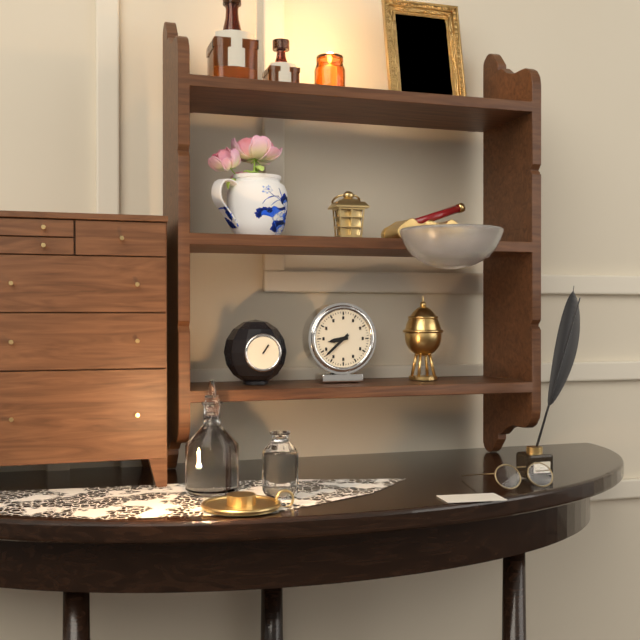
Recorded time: 8:38
